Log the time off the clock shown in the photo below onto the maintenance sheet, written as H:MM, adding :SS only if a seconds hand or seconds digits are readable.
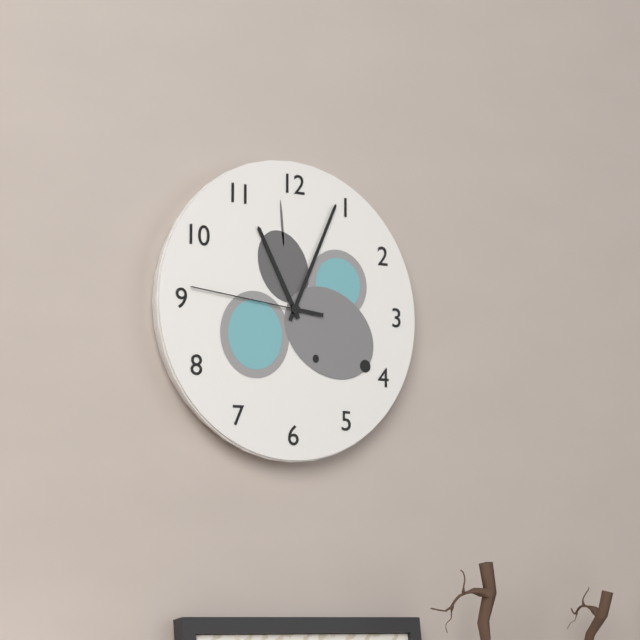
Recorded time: 11:04:46
